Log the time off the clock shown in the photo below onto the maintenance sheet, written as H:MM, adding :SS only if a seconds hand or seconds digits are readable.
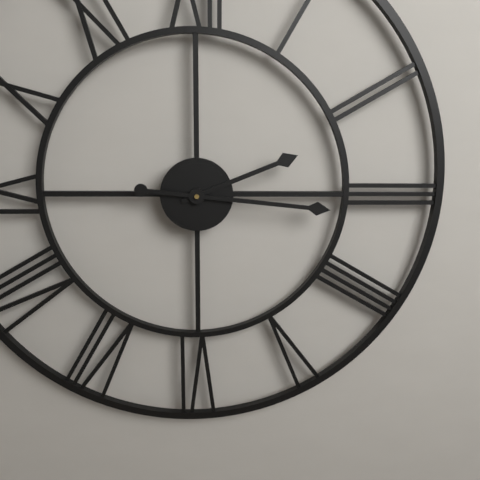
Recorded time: 2:16
